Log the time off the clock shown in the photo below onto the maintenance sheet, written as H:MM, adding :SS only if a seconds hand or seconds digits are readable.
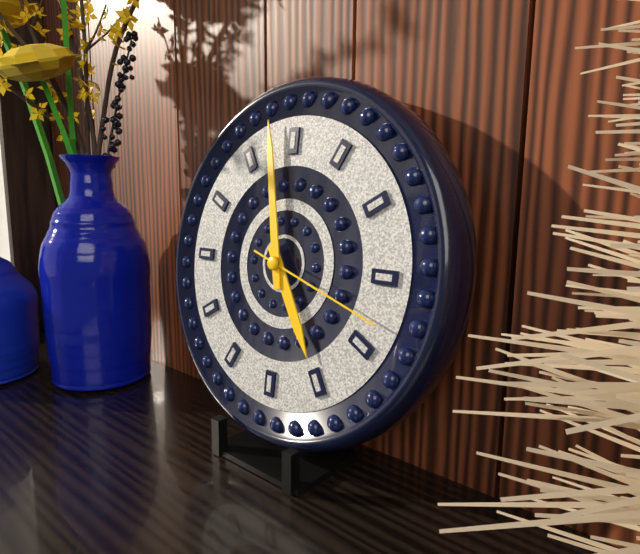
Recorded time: 4:58:18
